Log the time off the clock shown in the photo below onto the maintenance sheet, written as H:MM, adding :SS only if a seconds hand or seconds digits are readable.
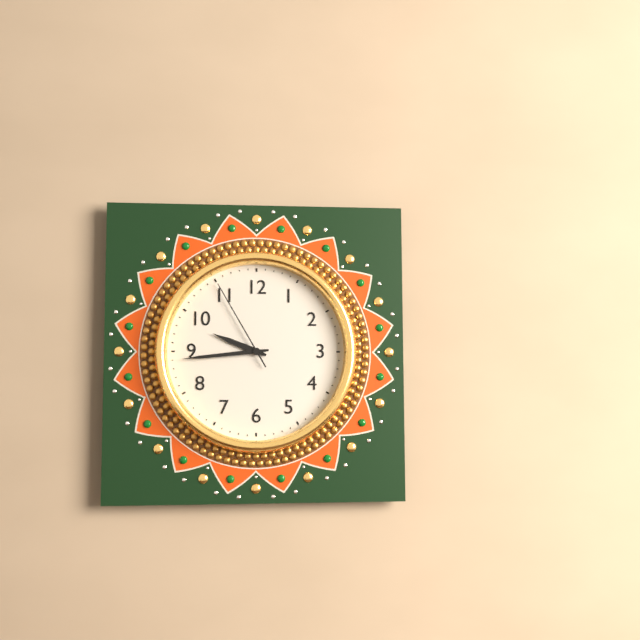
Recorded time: 9:44:55
